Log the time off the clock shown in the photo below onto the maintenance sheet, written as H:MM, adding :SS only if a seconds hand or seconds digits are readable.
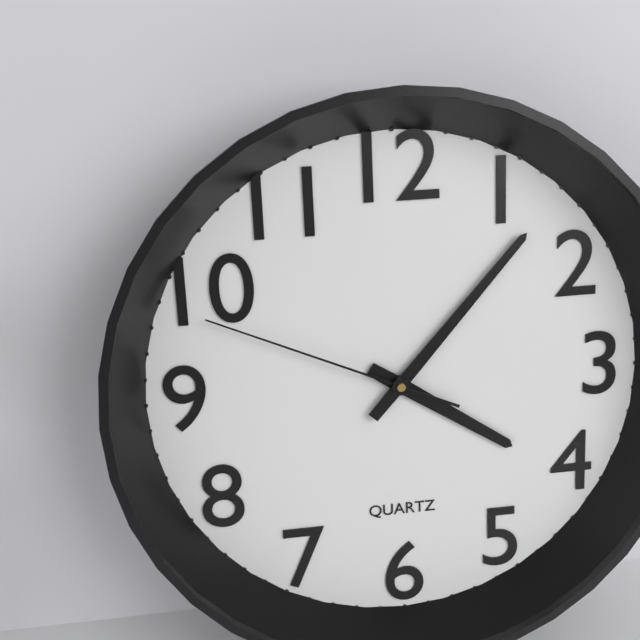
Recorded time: 4:07:49
